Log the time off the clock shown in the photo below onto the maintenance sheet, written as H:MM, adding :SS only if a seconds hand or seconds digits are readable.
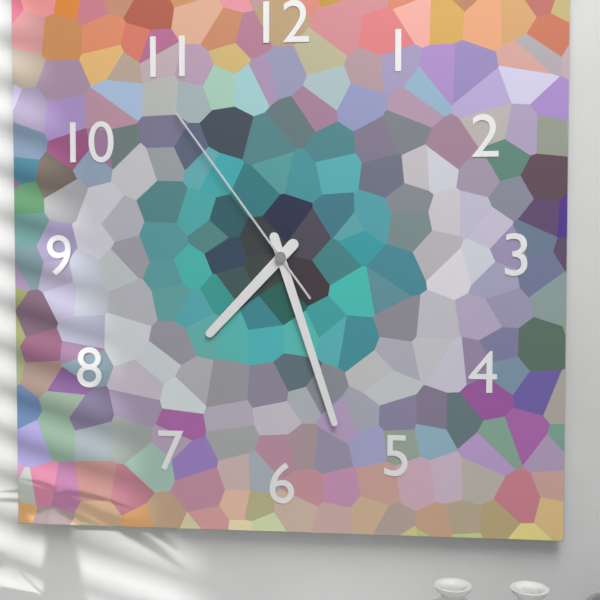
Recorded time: 7:27:54
